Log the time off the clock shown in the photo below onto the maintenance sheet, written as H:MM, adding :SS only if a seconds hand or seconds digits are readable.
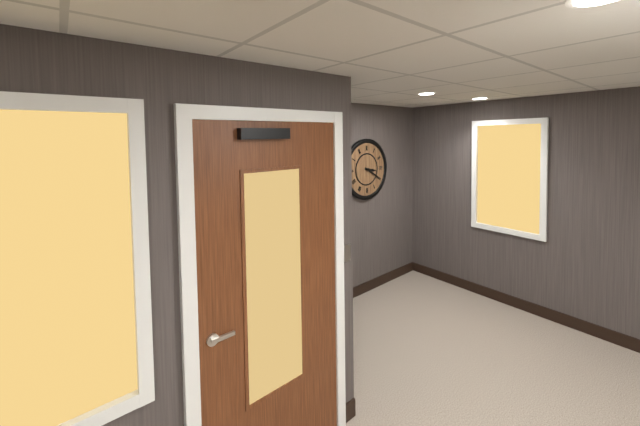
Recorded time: 3:20
